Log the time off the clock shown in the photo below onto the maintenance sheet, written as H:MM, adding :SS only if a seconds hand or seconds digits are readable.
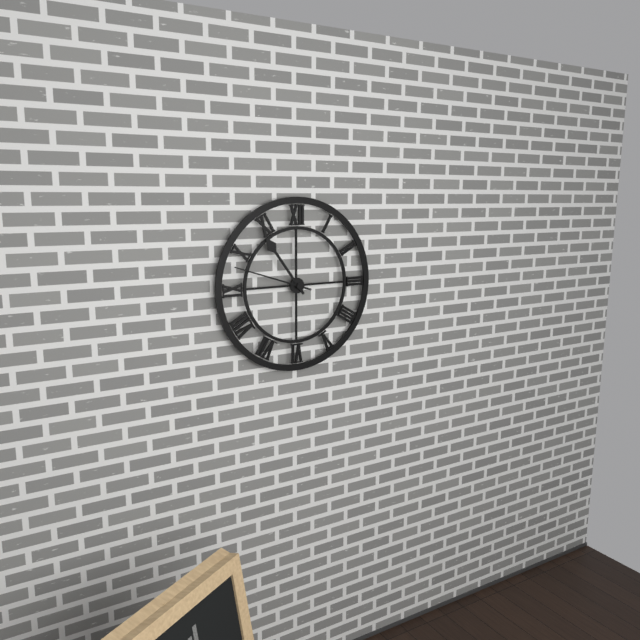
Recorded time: 10:48
